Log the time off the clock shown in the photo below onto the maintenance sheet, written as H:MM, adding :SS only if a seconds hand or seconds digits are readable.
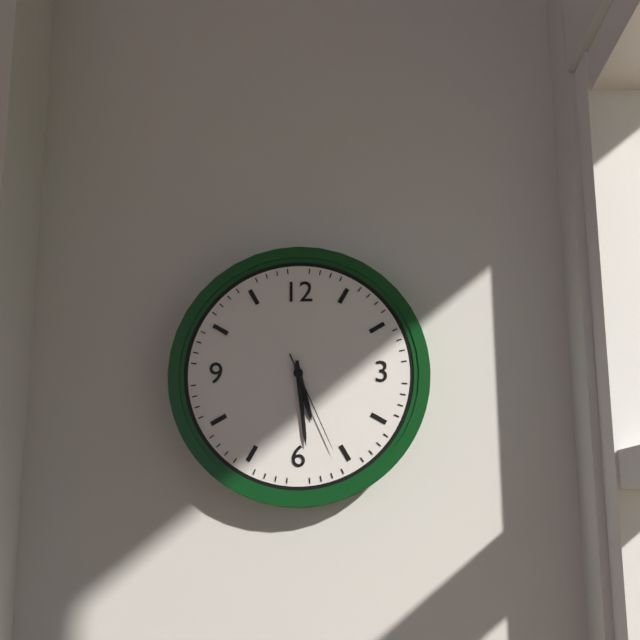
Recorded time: 5:29:26
